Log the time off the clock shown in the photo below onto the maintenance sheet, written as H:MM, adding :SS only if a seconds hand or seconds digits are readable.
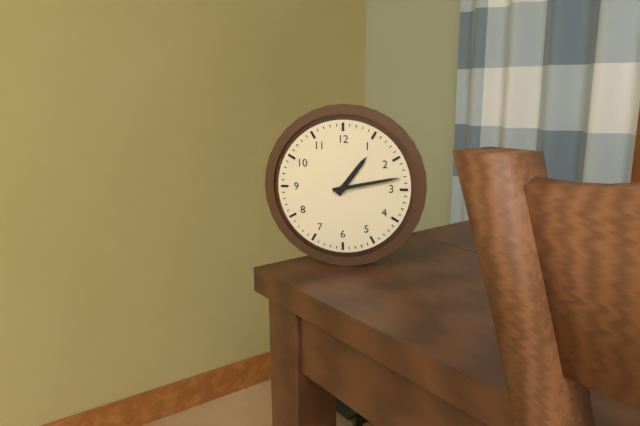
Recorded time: 1:13
